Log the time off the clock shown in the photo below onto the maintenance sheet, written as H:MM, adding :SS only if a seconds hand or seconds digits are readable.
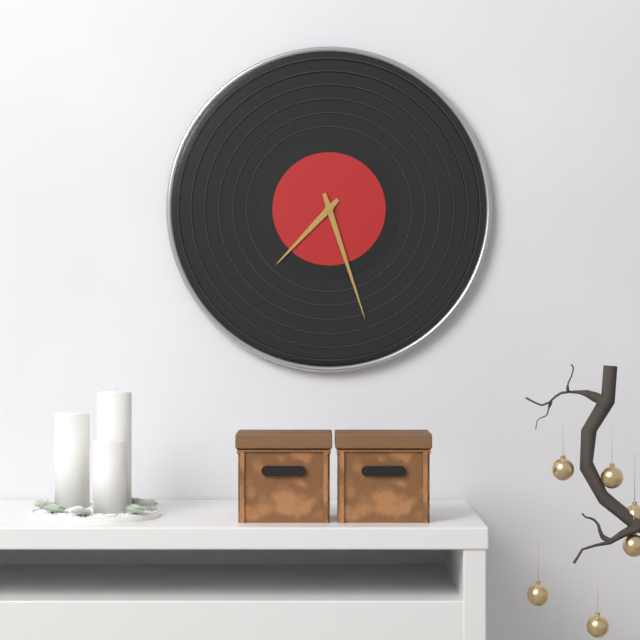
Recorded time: 7:27
